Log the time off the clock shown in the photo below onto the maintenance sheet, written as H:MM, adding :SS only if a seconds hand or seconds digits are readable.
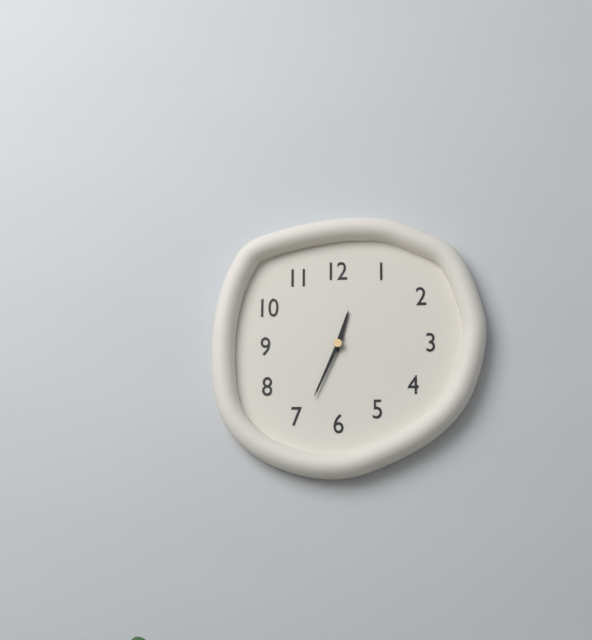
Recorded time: 12:34
